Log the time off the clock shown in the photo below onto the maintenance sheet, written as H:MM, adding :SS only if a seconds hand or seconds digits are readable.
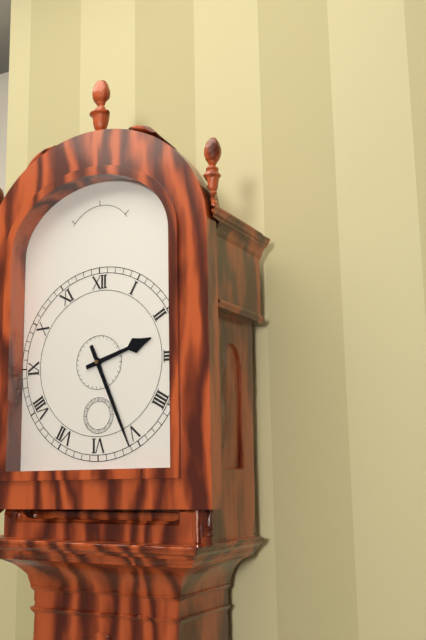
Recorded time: 2:26
